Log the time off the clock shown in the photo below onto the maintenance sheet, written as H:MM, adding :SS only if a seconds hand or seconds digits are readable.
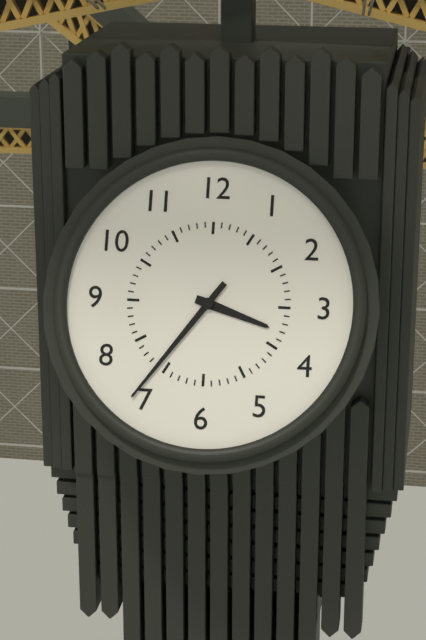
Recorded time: 3:36
